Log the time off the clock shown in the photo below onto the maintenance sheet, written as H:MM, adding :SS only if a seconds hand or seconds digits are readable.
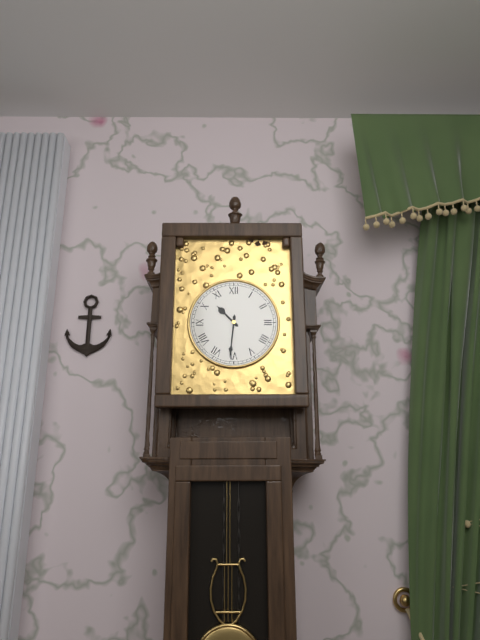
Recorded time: 10:31
